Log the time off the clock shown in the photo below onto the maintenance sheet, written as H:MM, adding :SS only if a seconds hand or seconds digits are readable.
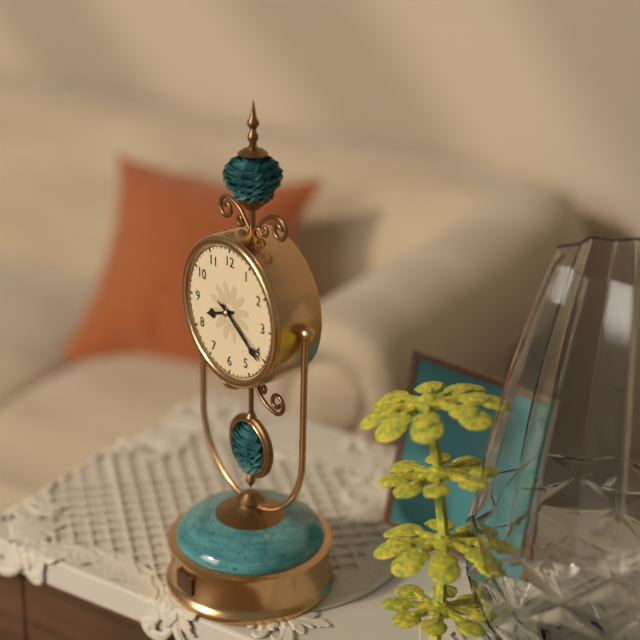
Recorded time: 8:21:20
